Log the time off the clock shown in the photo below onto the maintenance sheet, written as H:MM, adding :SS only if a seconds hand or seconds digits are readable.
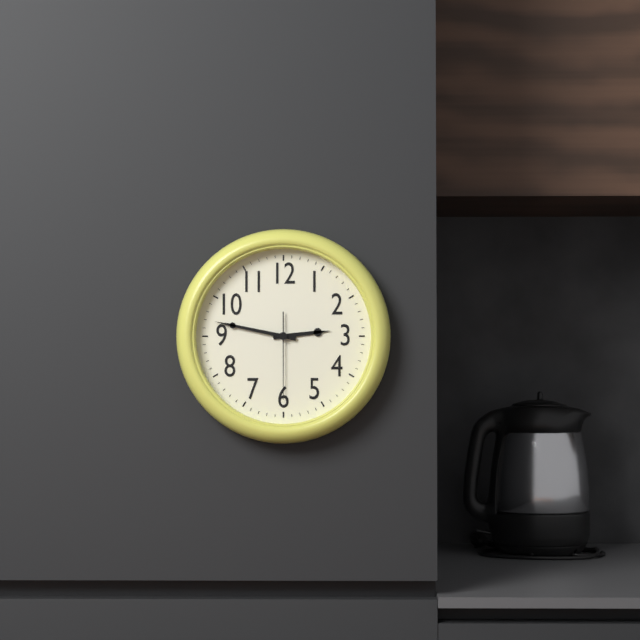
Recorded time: 2:47:30
